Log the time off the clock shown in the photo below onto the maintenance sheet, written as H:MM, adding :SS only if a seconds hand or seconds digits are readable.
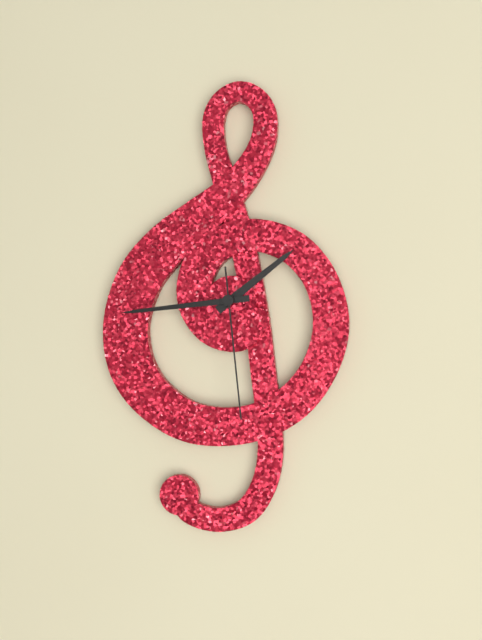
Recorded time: 1:44:29
